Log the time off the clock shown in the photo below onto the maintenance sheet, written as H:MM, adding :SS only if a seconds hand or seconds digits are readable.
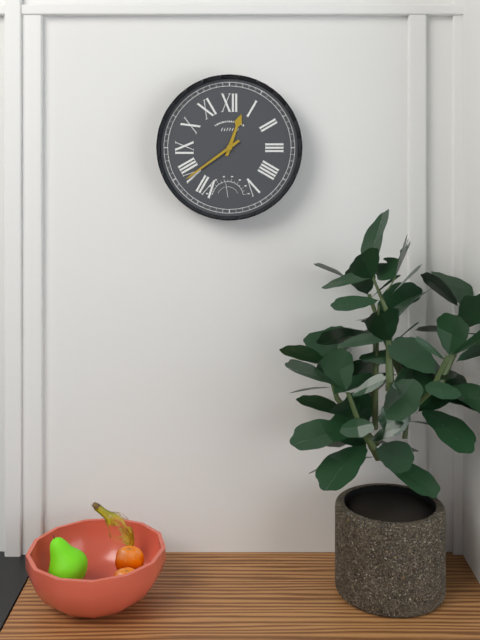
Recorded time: 12:39
